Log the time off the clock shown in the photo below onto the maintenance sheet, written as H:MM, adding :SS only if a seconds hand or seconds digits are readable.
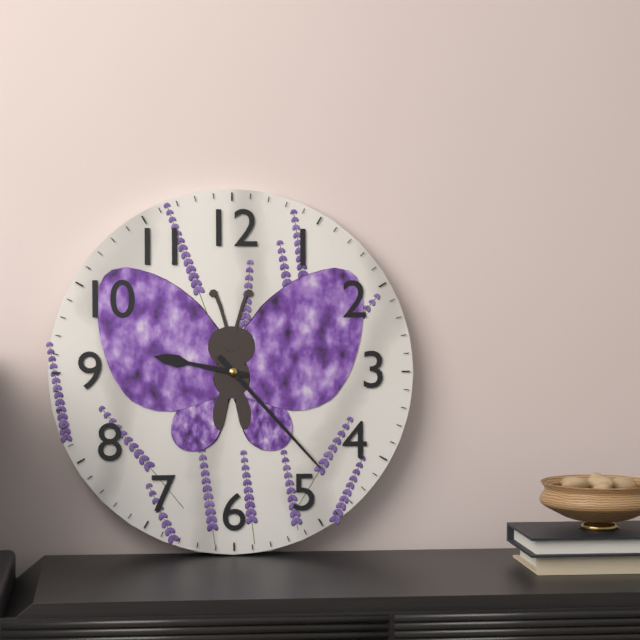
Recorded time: 9:23
